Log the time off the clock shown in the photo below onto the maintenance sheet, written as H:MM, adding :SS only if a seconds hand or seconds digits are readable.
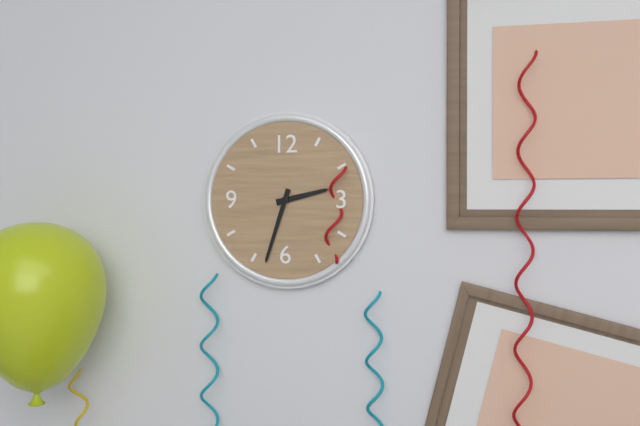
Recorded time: 2:33
